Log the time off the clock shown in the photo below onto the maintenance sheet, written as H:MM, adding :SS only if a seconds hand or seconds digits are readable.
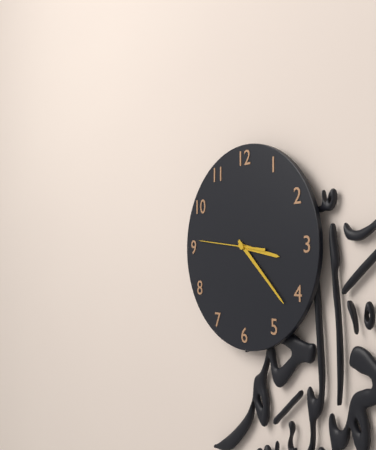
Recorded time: 3:22:46
